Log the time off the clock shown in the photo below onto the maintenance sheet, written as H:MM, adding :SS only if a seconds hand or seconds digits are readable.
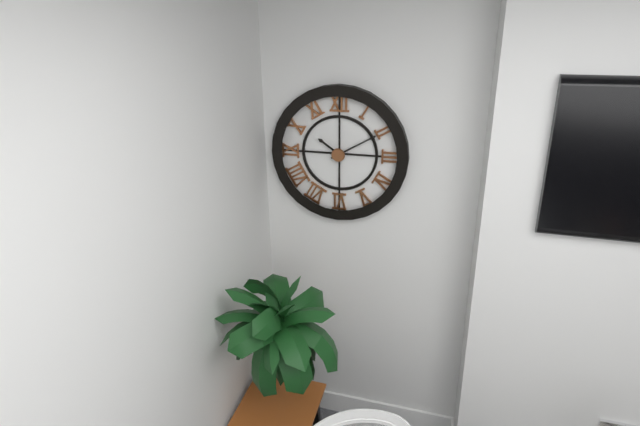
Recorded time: 10:10
